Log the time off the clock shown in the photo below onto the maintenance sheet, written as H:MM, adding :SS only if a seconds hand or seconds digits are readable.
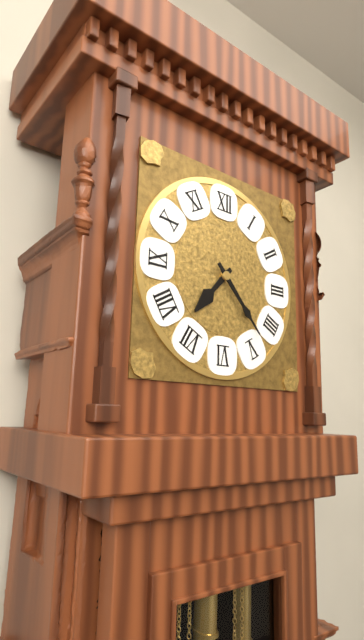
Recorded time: 7:23
